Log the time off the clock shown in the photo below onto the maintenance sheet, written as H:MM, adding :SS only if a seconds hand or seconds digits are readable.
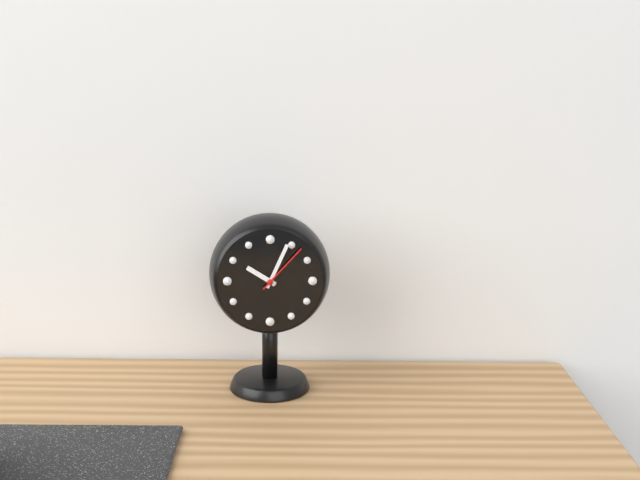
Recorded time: 10:04:07
